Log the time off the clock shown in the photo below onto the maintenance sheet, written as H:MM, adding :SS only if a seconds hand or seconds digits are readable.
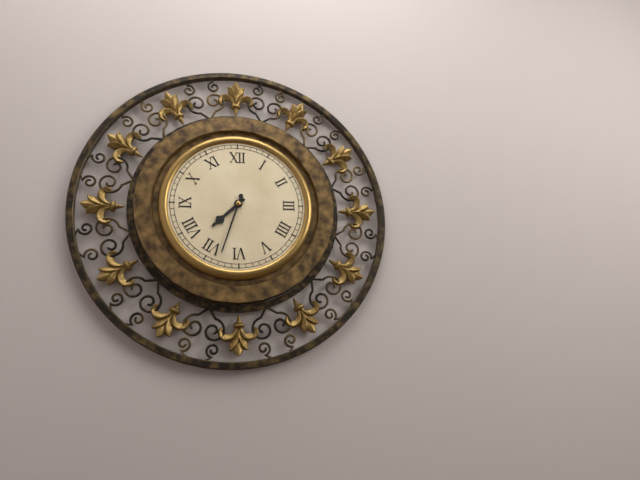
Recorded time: 7:33
